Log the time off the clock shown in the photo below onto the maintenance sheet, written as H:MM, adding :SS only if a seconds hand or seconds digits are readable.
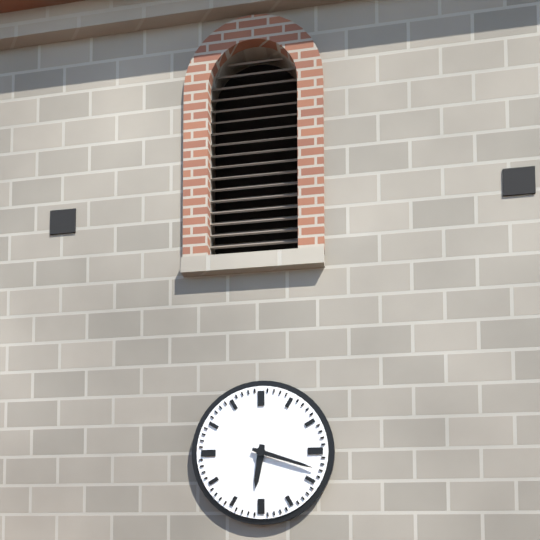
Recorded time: 6:18
